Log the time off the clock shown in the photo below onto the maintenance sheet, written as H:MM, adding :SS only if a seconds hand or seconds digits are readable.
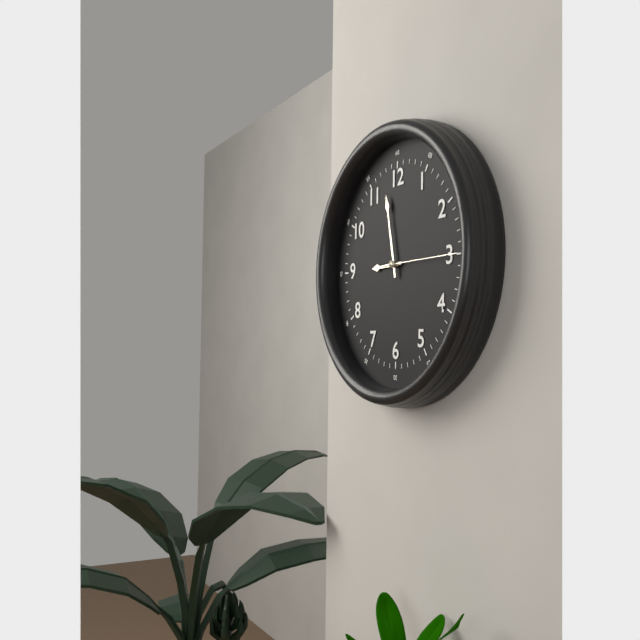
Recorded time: 8:58:15
